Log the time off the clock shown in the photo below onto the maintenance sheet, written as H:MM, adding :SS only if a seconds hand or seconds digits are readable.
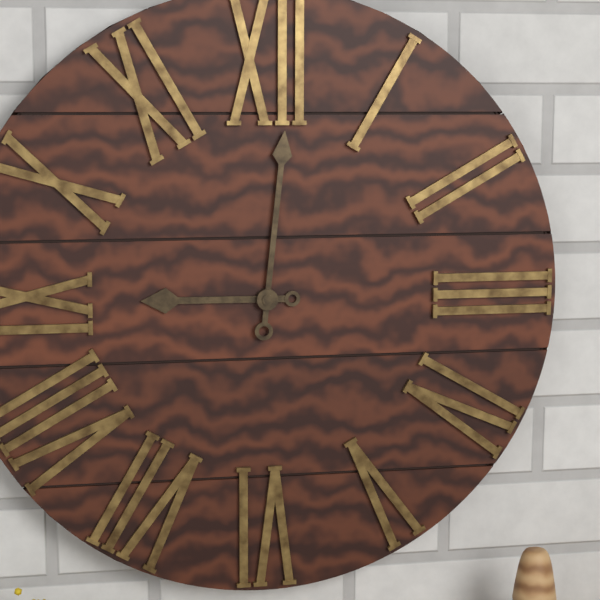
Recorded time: 9:01
